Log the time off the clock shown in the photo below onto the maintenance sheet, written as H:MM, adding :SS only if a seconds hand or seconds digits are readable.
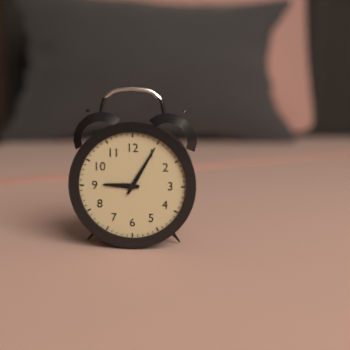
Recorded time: 9:05
